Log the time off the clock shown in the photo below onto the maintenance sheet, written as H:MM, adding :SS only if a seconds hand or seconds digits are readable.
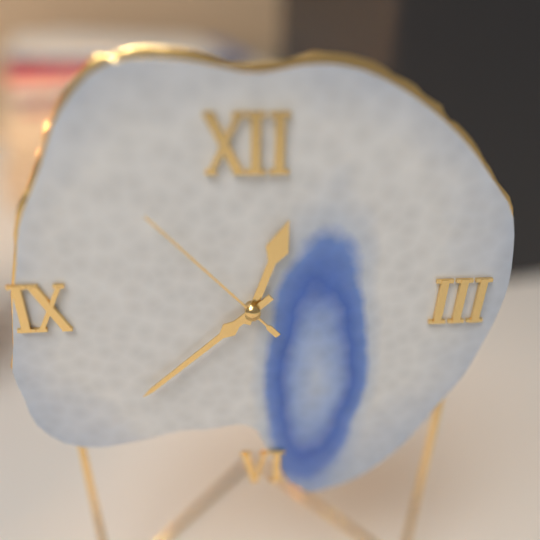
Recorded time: 12:38:53
